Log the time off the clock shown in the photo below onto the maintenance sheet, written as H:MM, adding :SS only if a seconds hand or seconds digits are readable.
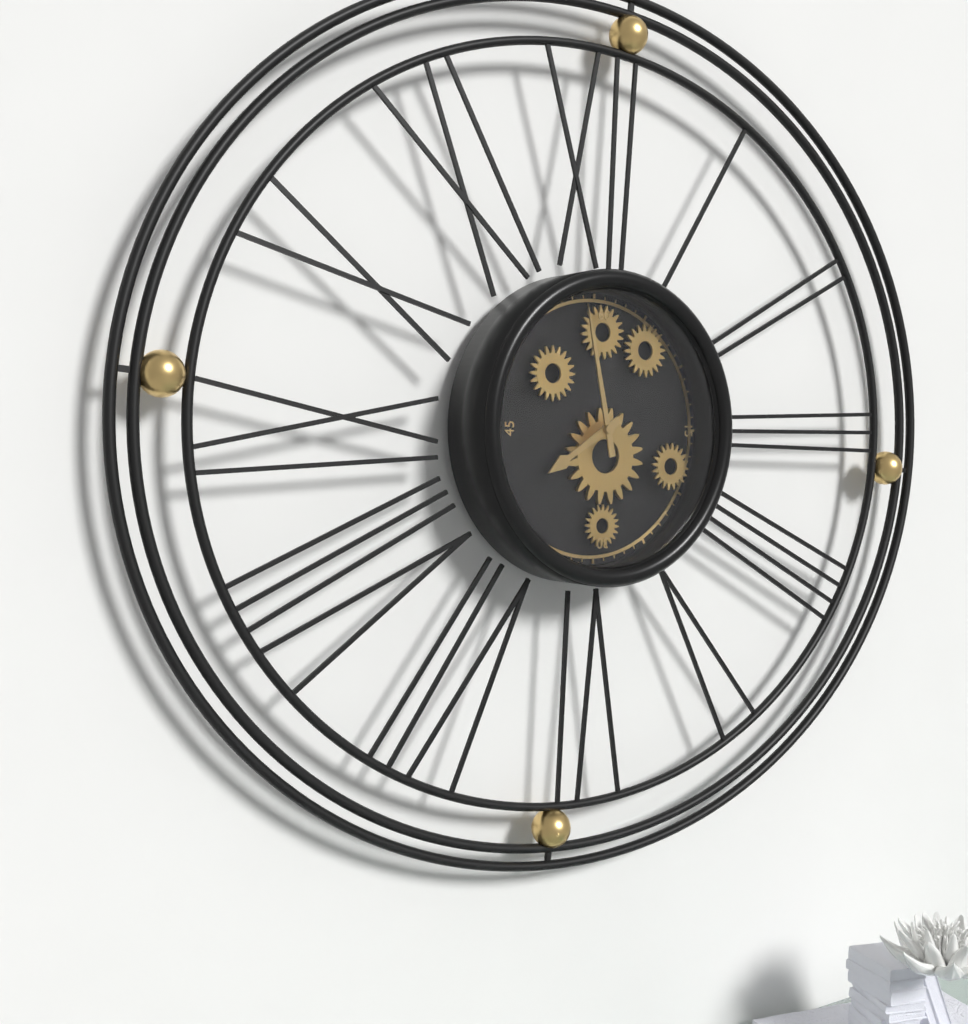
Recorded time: 7:58
